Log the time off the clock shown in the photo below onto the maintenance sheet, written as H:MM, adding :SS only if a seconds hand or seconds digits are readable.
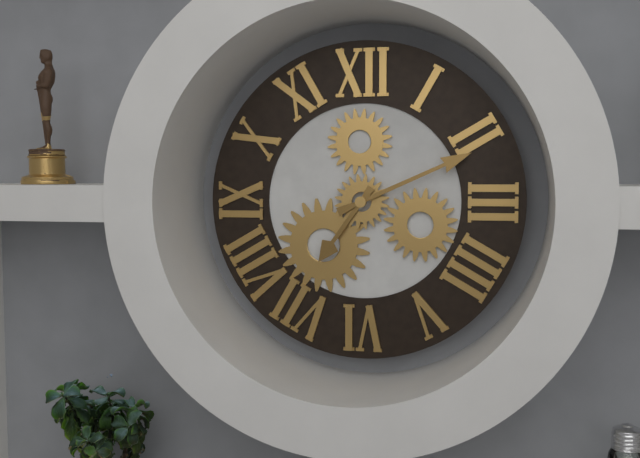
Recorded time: 7:11
